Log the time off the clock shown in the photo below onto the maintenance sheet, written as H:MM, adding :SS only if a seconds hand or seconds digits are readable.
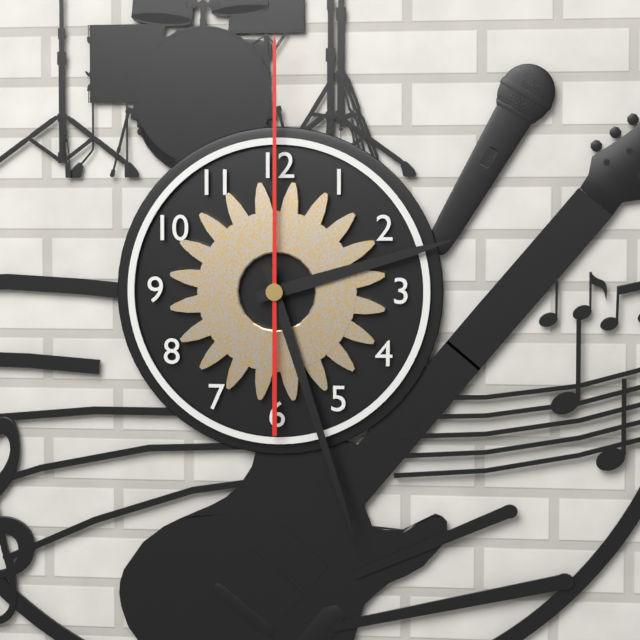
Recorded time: 2:27:00
